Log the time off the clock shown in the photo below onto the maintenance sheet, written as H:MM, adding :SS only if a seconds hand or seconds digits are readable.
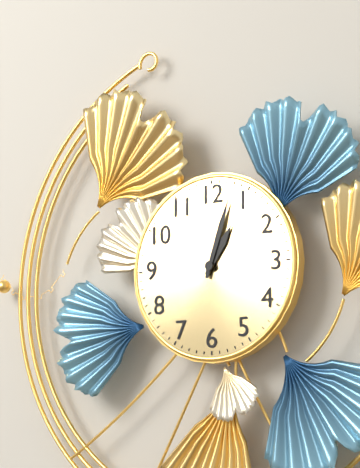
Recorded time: 1:03
